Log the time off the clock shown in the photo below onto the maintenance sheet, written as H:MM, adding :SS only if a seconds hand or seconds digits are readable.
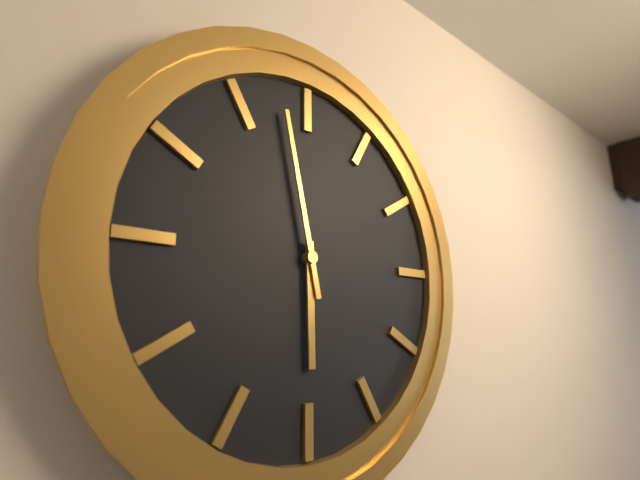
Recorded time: 5:58
